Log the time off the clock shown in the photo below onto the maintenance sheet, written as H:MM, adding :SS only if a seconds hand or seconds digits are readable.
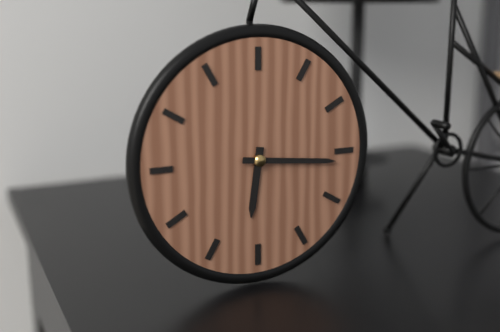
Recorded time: 6:16
